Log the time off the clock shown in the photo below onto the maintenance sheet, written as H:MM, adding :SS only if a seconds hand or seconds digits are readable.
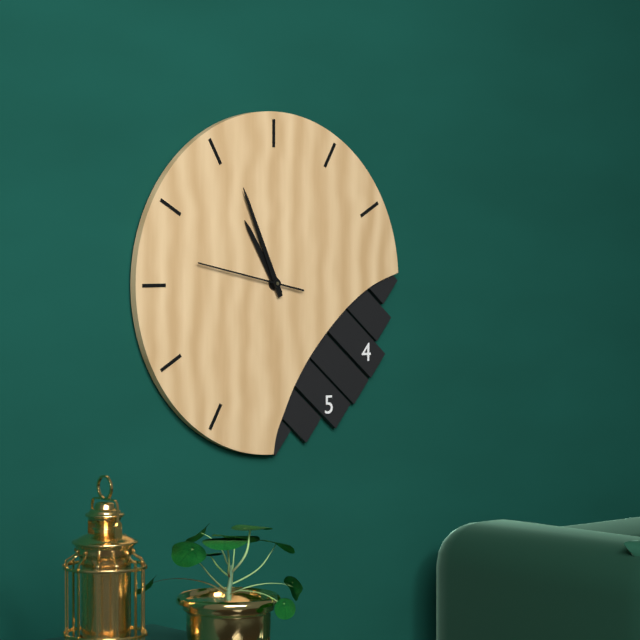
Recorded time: 10:56:47
